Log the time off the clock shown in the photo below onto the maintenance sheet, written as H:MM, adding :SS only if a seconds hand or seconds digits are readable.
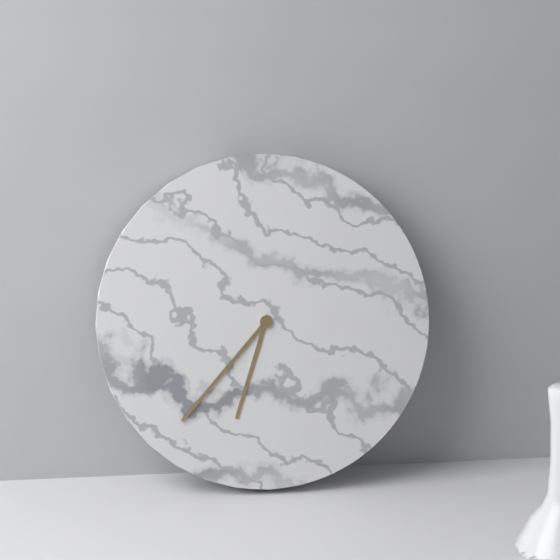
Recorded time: 6:37
